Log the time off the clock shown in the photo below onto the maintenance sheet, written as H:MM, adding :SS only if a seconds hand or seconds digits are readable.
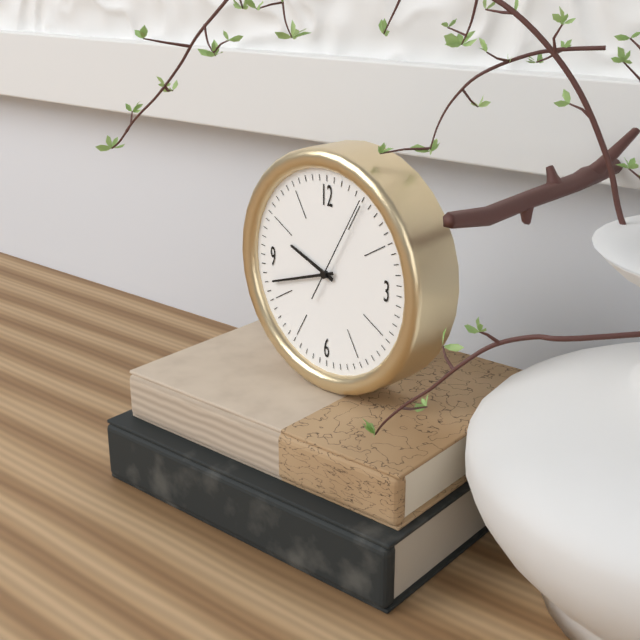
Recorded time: 9:42:05
